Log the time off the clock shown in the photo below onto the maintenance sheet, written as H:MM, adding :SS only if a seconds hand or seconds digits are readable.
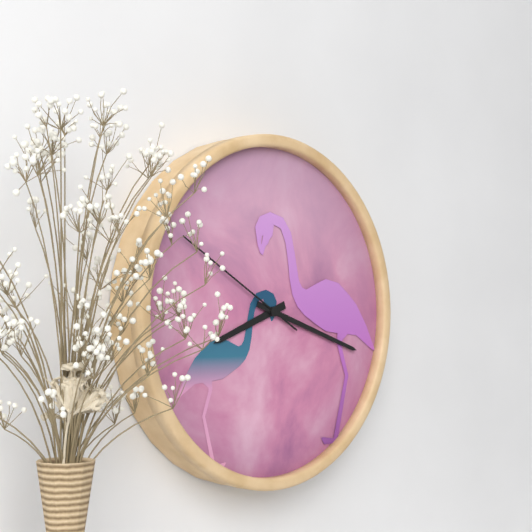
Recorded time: 8:18:50
